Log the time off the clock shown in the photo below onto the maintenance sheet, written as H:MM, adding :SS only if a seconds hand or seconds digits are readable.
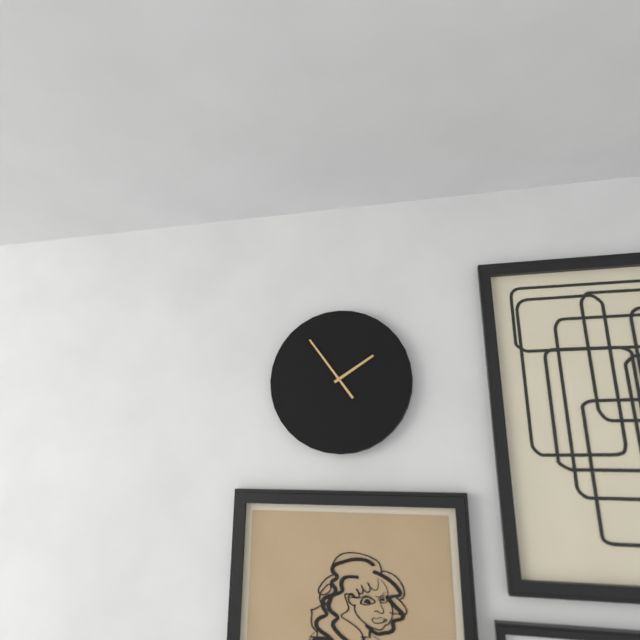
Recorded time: 1:54
